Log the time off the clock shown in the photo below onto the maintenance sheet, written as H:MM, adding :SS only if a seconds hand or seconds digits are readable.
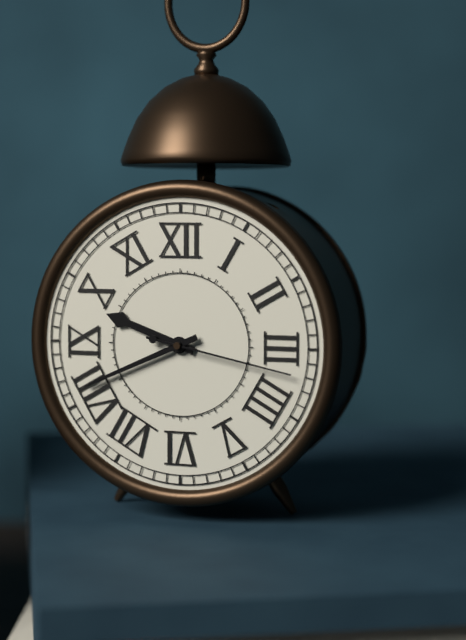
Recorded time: 9:41:17
